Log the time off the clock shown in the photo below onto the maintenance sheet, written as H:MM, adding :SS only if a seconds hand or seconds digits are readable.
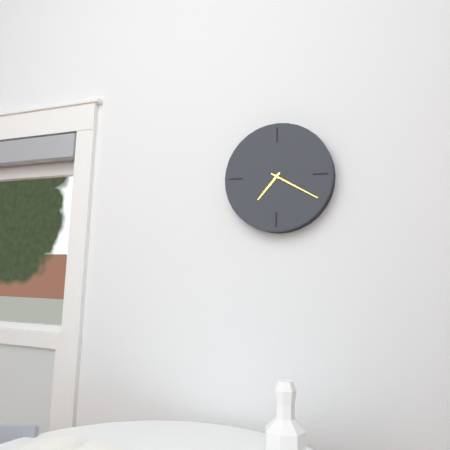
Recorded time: 7:20
